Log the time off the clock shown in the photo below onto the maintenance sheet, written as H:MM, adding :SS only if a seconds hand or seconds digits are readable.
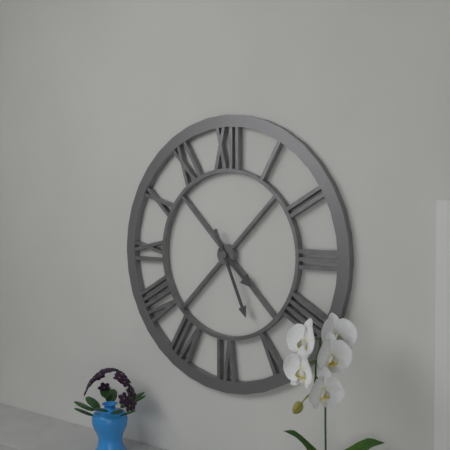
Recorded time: 4:26
